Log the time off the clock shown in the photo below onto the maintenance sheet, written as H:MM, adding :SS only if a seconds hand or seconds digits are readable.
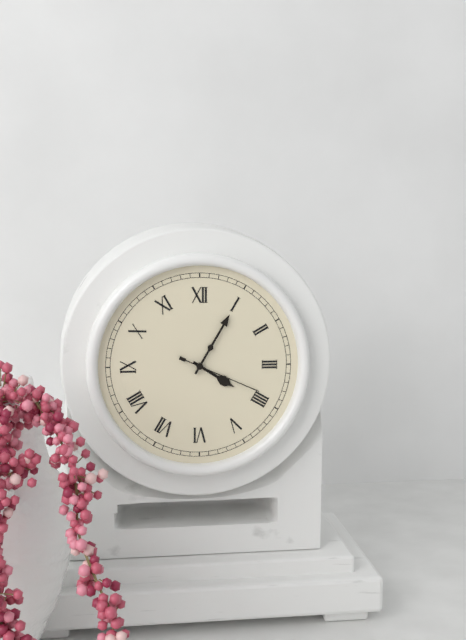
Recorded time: 4:05:19
